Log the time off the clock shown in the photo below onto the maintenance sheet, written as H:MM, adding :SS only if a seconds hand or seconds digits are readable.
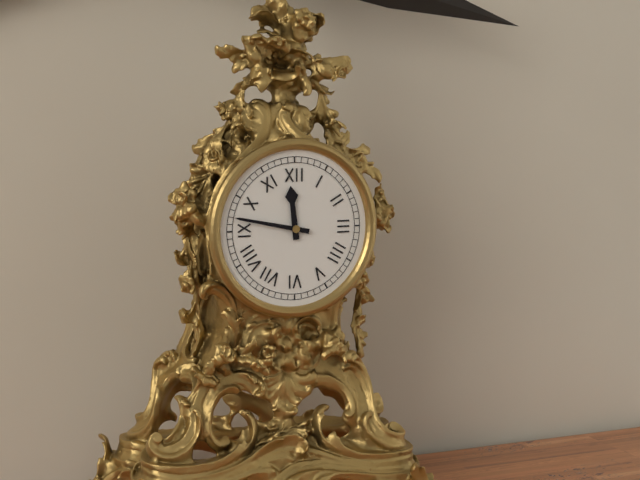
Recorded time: 11:47
